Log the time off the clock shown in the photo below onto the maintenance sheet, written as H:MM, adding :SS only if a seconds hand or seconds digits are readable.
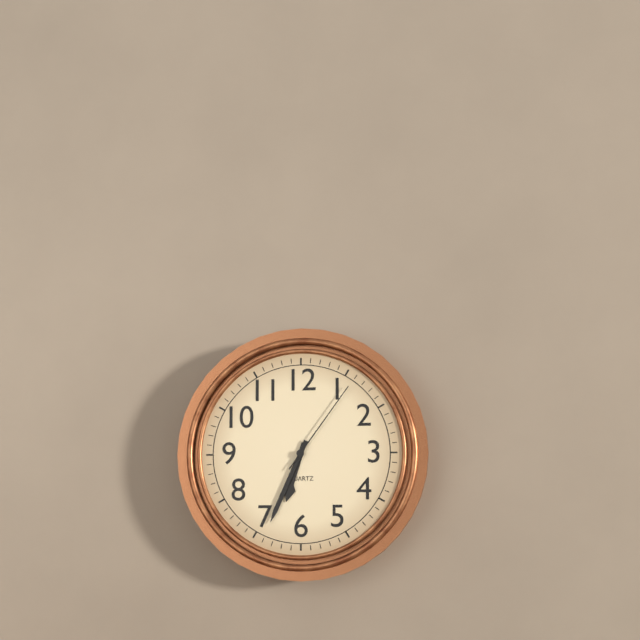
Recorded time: 6:34:06
